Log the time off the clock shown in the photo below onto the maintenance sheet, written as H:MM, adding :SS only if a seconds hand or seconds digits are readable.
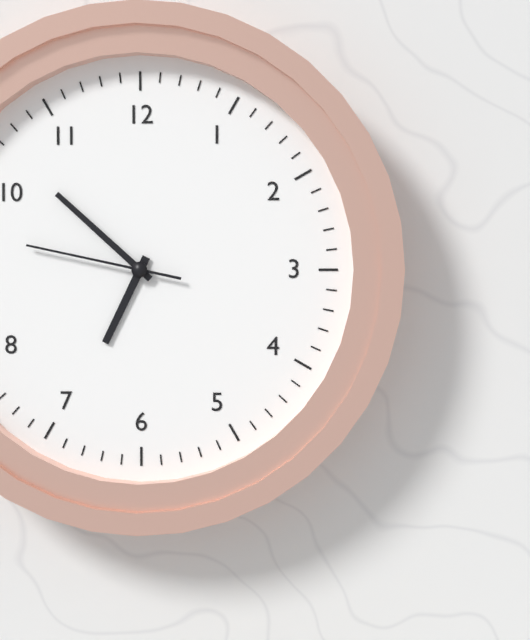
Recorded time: 6:52:47
